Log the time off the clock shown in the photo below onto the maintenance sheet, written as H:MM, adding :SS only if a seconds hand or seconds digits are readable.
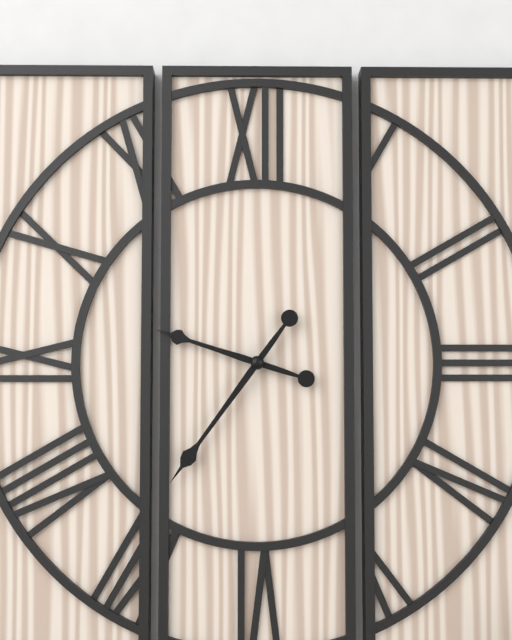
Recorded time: 9:36
